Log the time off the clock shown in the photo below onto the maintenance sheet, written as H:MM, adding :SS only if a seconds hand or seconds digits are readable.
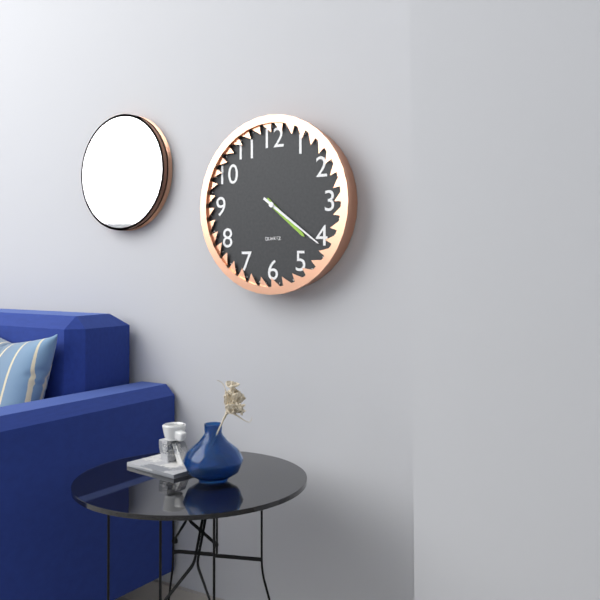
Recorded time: 4:21
